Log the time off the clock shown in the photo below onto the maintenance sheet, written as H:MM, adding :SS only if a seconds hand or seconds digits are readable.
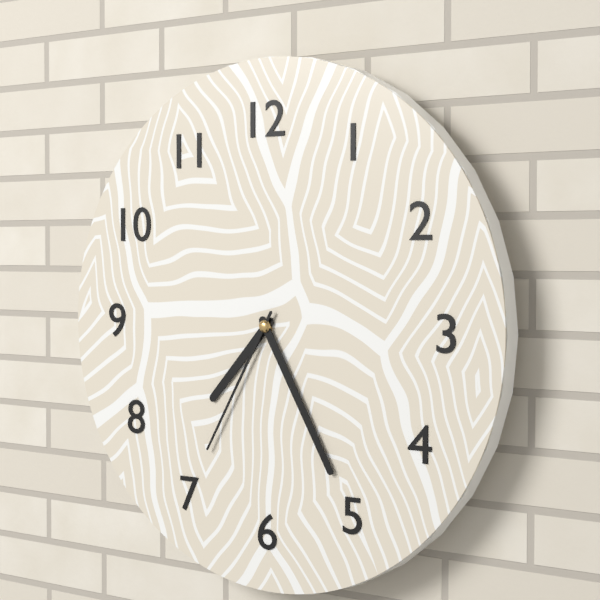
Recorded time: 7:25:35
